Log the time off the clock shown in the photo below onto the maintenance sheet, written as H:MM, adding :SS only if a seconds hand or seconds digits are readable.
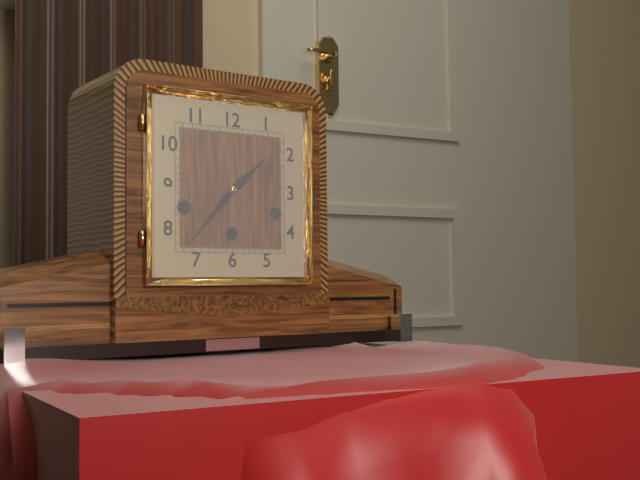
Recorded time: 1:37
